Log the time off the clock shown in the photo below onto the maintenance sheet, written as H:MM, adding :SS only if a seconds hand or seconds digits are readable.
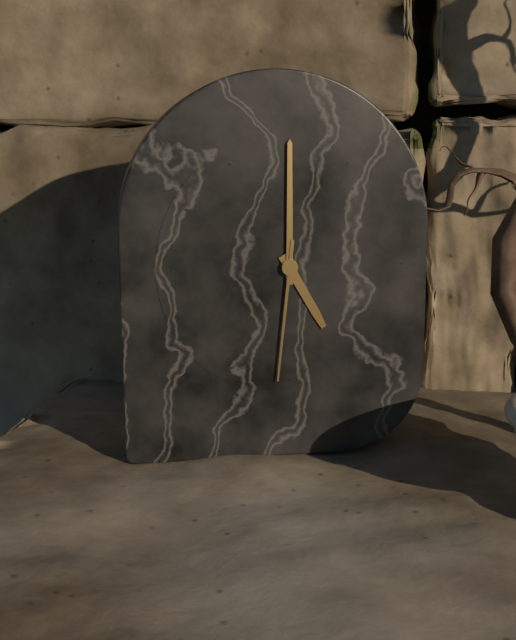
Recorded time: 5:00:31
